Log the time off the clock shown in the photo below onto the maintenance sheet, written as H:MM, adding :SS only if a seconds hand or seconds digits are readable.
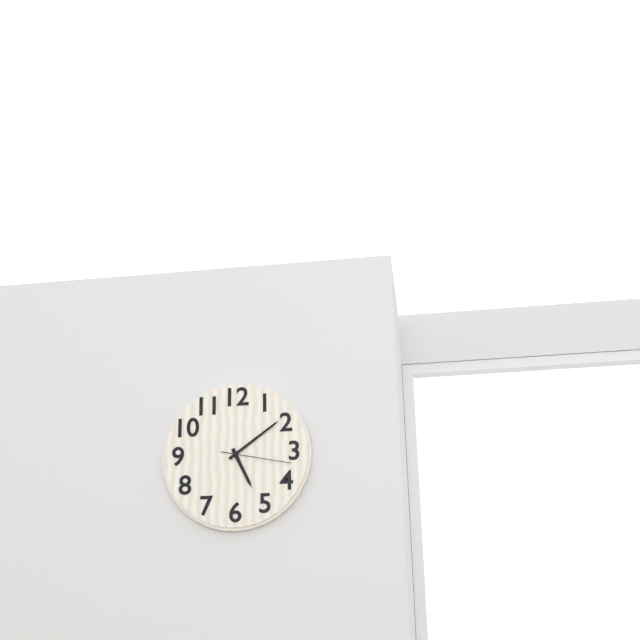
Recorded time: 5:09:17
